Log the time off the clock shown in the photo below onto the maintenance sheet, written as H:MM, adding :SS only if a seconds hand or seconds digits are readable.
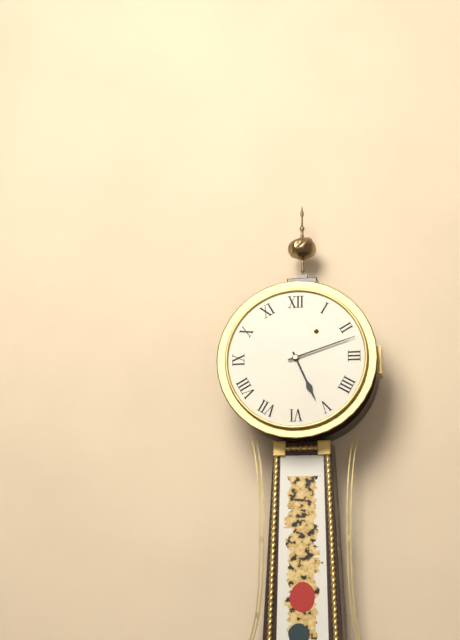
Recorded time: 5:12
